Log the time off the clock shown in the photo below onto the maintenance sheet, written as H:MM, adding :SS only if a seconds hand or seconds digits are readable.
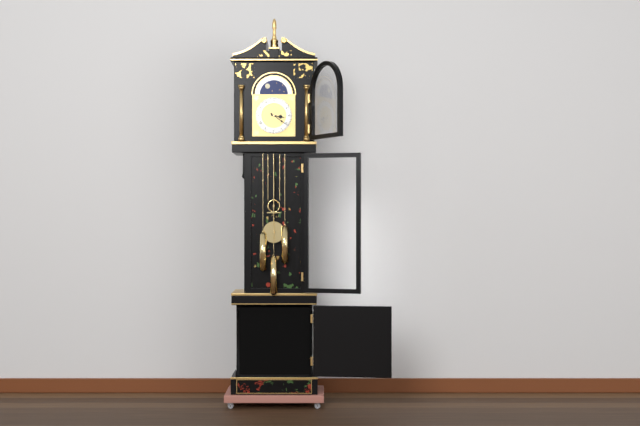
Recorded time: 3:21
